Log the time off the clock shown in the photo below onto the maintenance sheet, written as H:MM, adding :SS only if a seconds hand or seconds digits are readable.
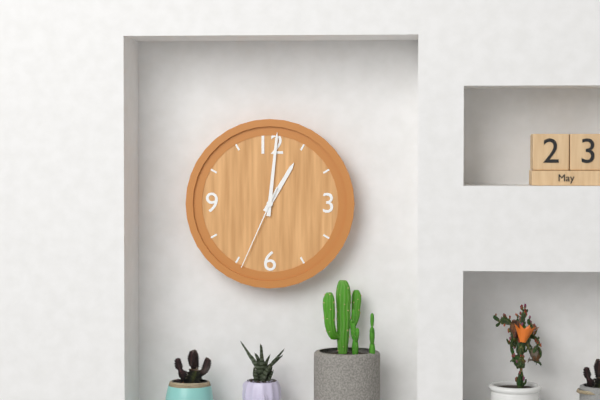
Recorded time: 1:01:34
